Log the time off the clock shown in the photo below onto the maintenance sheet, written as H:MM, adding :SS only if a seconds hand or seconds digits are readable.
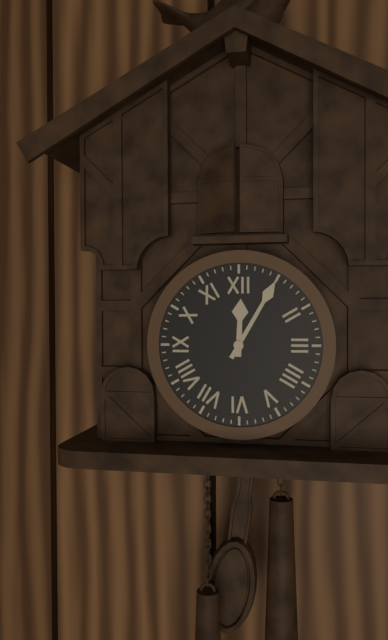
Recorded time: 12:05
